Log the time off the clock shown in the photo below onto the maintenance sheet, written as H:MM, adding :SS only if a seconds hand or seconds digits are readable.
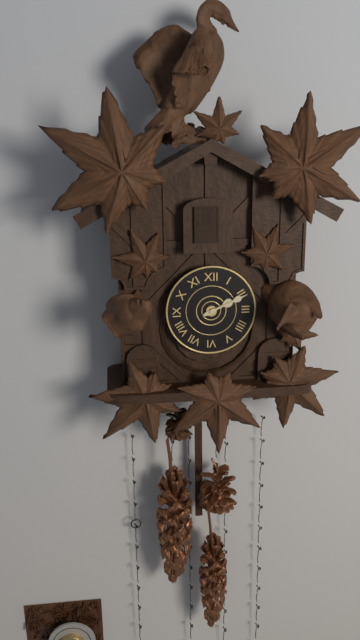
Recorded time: 2:11
